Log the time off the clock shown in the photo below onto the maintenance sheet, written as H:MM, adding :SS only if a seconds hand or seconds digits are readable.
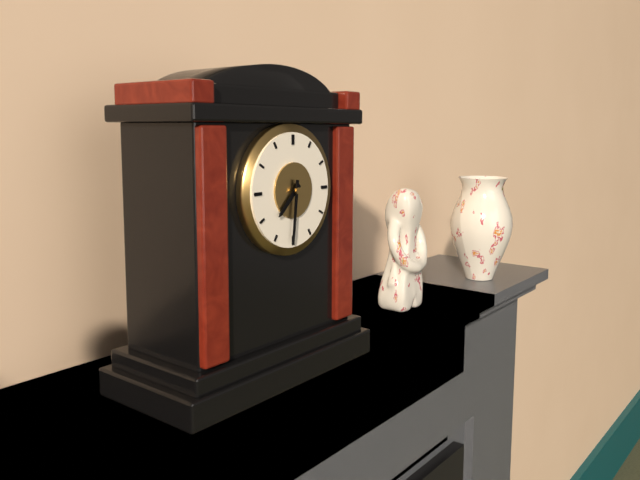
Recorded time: 7:31
